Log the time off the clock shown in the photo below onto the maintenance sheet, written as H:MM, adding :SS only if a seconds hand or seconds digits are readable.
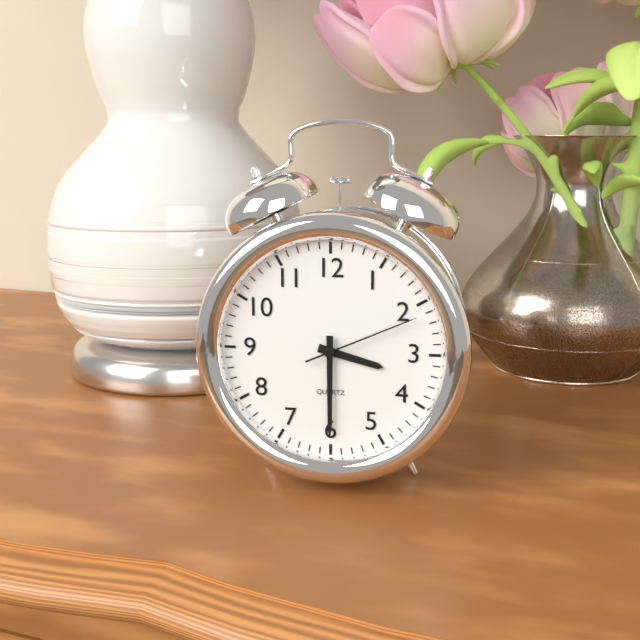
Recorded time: 3:30:11
